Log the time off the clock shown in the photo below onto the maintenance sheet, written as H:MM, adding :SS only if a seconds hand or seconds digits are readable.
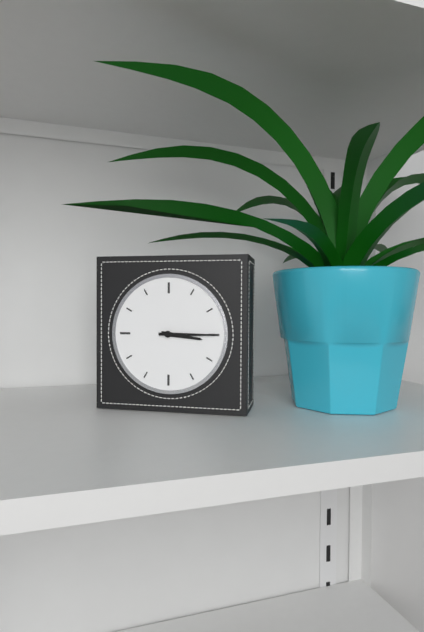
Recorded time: 3:15
